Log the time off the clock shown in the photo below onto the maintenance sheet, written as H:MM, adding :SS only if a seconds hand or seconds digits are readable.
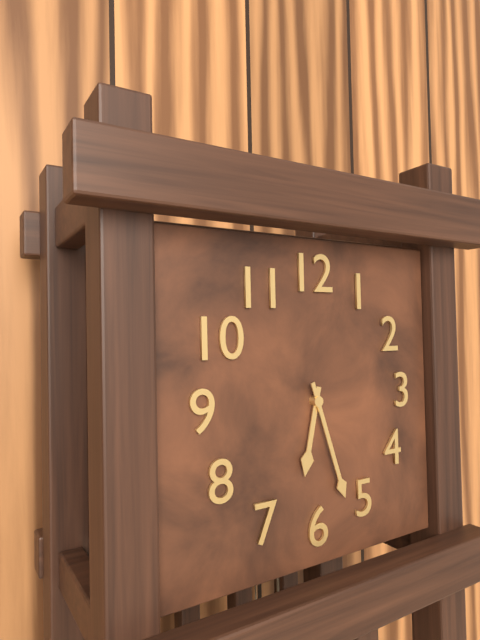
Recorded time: 6:27
